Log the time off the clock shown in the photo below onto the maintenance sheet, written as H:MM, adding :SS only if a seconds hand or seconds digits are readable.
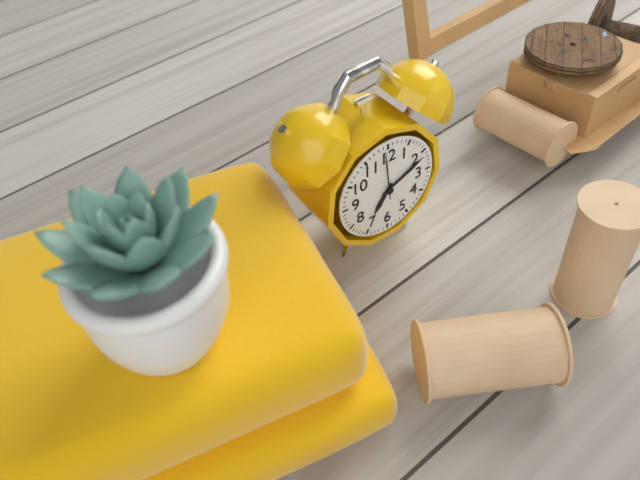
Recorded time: 7:11
